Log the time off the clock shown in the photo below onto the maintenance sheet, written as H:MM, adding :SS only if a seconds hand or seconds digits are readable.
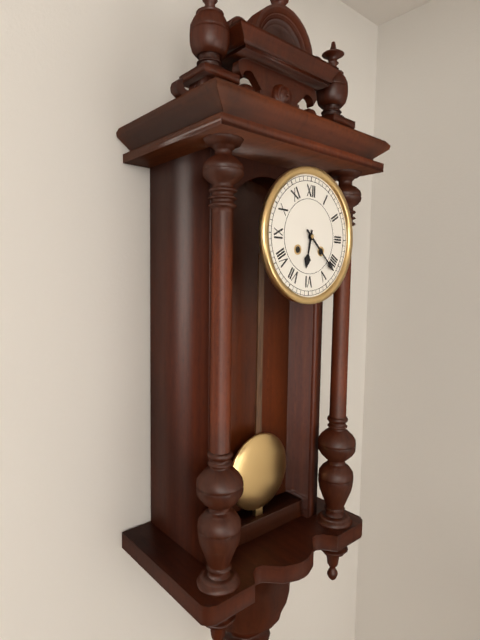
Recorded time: 6:22
